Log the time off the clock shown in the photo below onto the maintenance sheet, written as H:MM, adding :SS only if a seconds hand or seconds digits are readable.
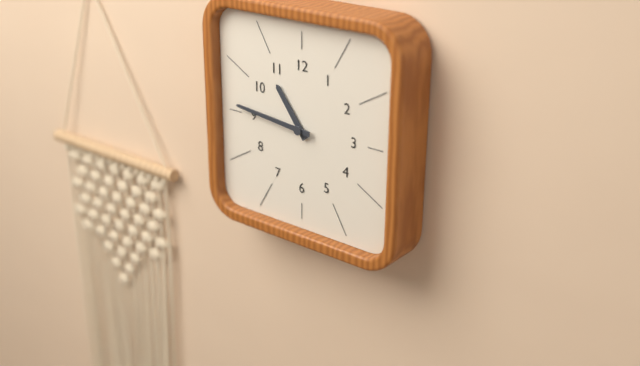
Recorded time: 10:46
